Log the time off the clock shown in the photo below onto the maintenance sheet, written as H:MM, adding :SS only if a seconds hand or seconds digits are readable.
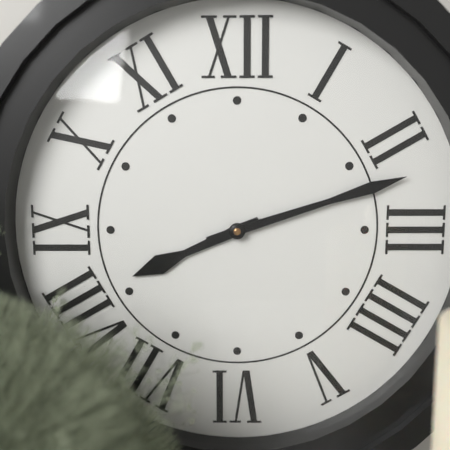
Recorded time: 8:12
